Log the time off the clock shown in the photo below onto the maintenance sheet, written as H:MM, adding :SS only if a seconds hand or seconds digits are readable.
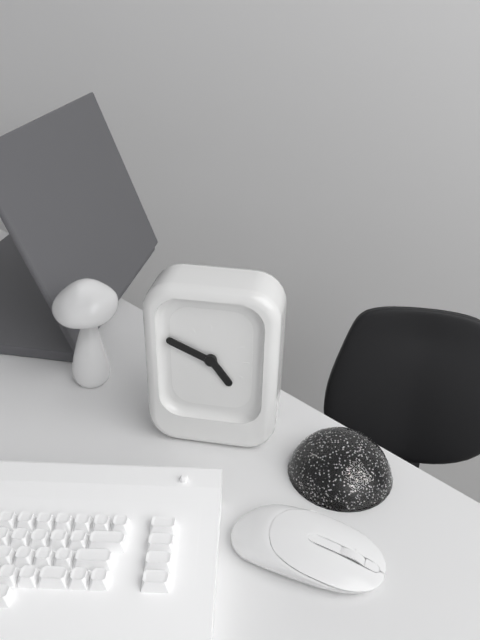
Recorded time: 4:49
